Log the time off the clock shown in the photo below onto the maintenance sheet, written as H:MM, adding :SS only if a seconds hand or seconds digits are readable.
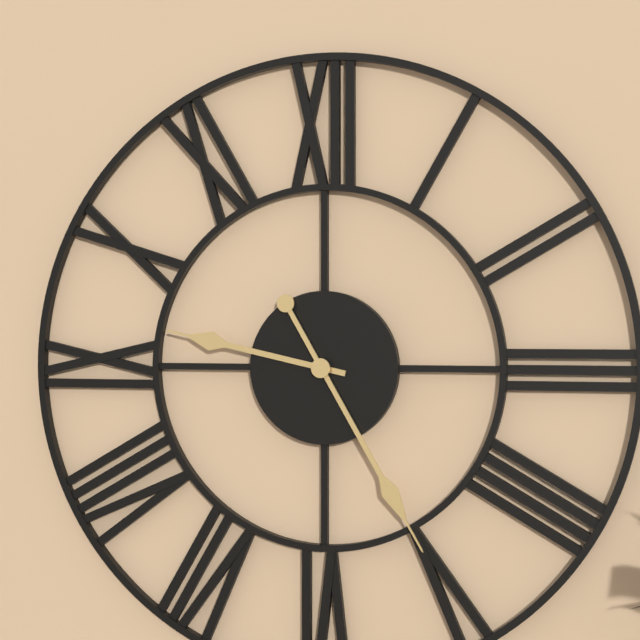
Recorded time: 9:25
